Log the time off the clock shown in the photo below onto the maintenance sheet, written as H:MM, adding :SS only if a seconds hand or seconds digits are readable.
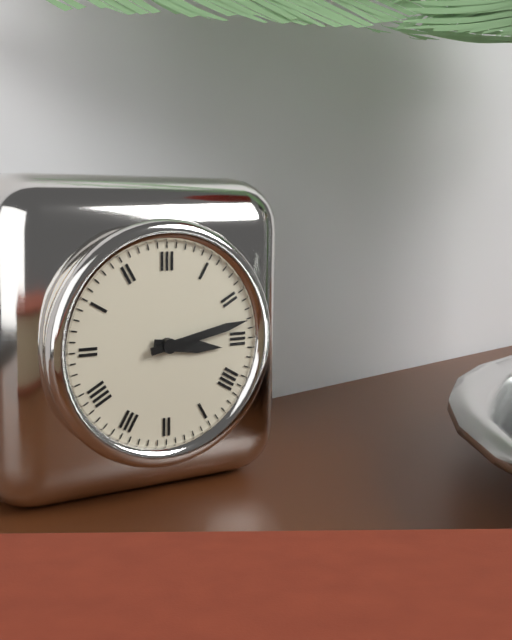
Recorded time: 3:13
